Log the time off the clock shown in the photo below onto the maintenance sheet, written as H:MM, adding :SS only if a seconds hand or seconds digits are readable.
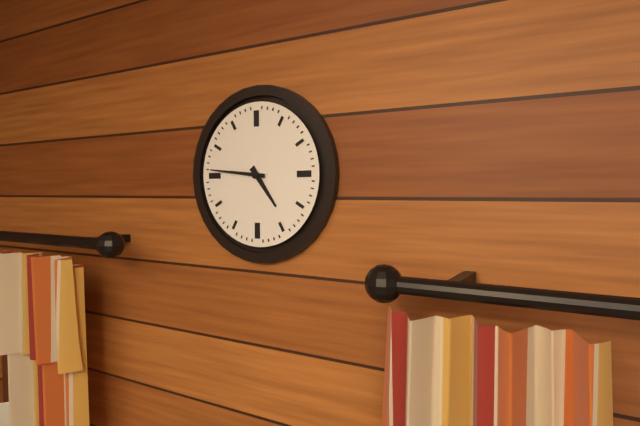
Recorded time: 4:46
